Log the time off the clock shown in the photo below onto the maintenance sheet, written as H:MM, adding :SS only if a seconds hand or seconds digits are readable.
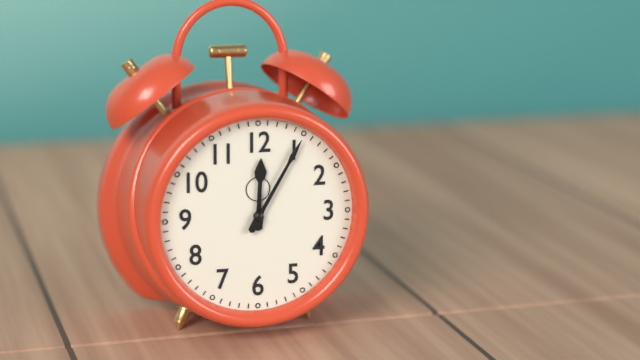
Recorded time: 12:05
